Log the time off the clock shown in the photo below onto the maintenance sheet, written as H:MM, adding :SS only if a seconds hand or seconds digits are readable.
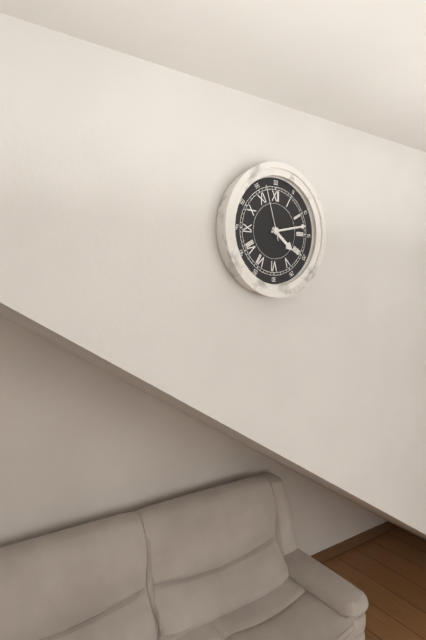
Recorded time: 4:13:57
